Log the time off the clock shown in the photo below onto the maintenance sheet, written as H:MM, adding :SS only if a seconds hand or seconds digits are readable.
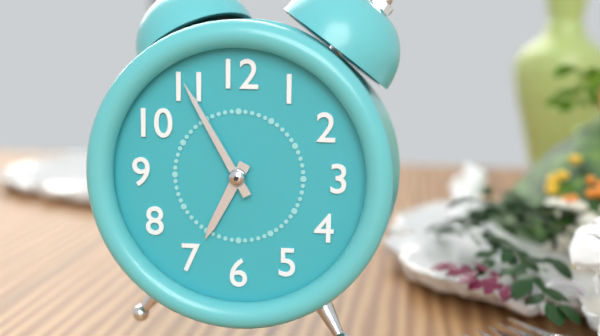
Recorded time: 6:55
